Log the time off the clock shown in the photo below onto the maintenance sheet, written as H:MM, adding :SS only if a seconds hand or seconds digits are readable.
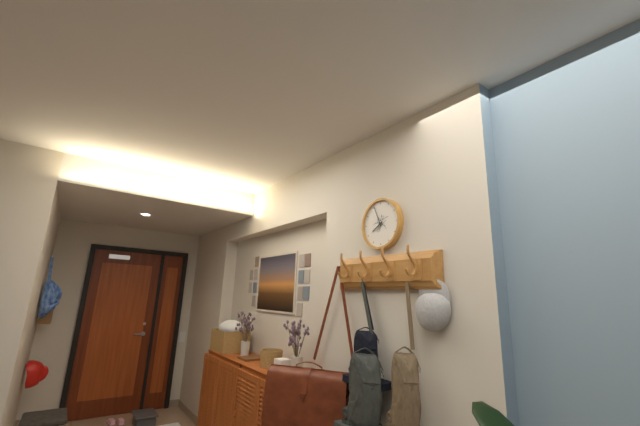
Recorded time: 7:56
